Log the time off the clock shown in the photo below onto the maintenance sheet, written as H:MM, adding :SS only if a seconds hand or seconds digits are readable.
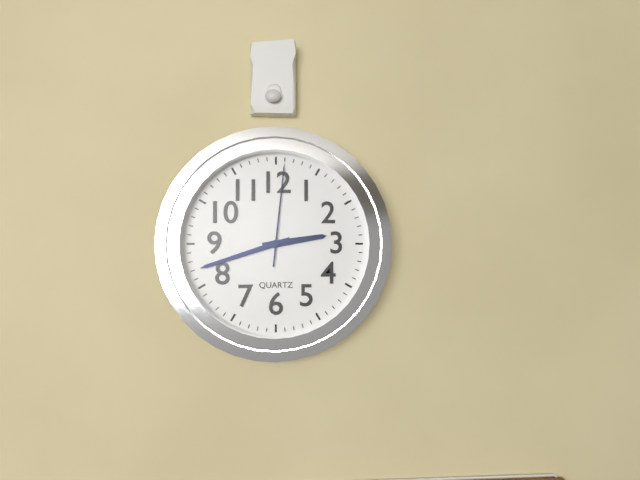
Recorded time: 2:42:01
